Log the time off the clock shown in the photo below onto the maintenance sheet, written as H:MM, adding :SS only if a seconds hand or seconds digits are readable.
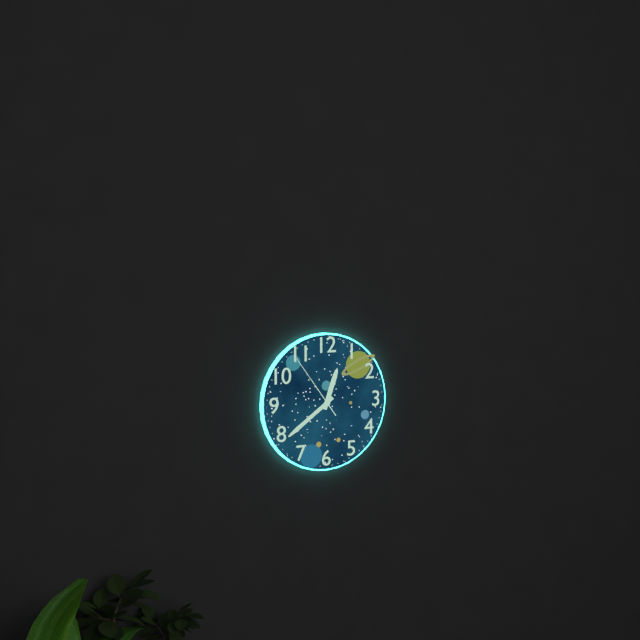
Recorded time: 12:39:54
